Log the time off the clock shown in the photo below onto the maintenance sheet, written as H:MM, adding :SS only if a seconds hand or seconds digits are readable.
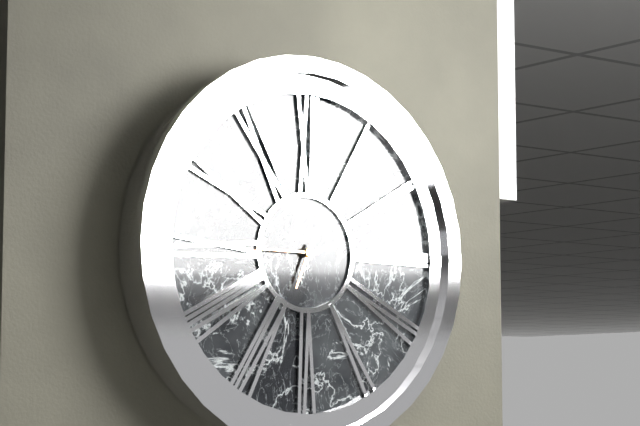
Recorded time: 6:45
